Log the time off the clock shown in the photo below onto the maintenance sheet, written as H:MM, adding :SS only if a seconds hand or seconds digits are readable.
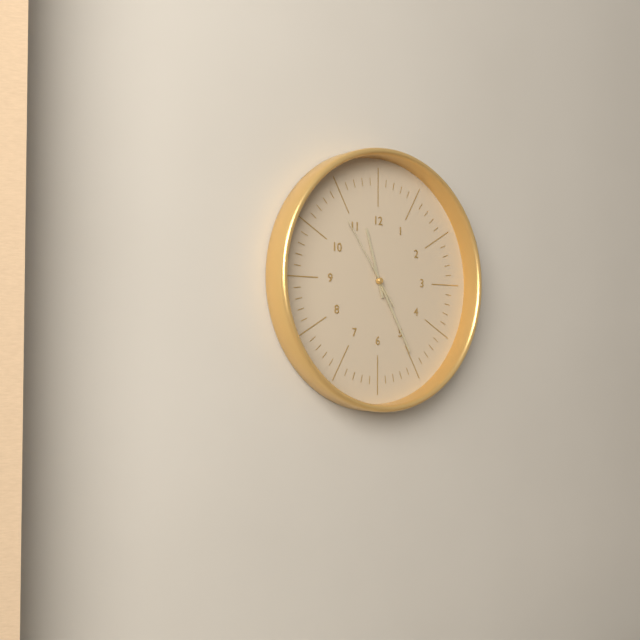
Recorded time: 11:25:54
